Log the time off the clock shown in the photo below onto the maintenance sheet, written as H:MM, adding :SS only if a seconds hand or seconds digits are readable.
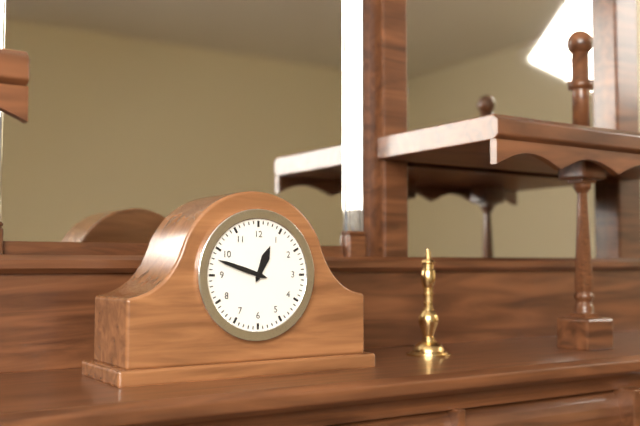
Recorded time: 12:48
